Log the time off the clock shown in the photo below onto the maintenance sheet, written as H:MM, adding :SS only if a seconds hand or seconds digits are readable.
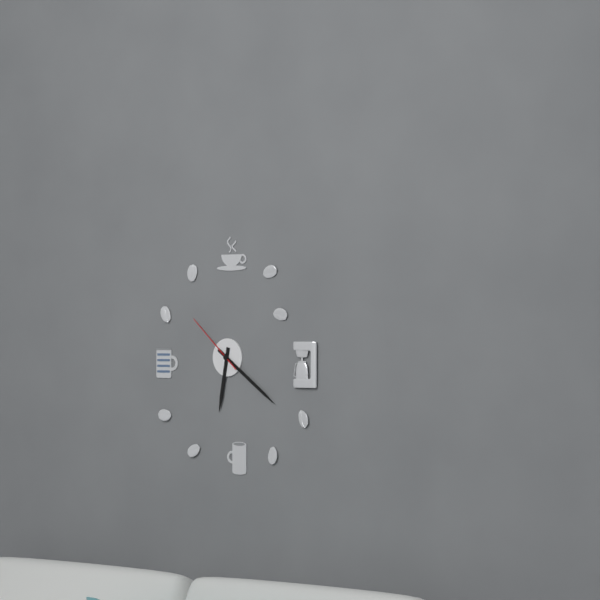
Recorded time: 6:21:52
